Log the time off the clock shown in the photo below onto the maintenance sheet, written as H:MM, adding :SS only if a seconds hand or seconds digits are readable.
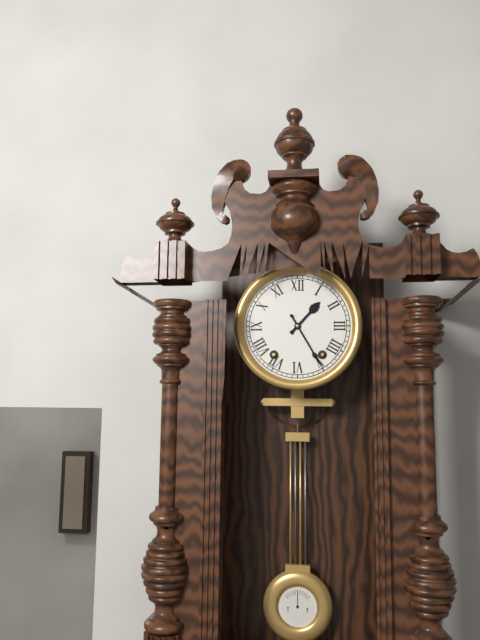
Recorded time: 1:25
